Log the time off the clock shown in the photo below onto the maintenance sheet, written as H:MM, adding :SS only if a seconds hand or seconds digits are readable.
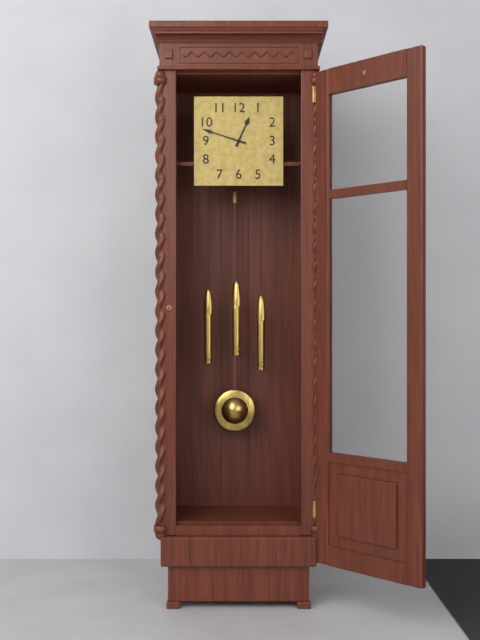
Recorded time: 12:48
